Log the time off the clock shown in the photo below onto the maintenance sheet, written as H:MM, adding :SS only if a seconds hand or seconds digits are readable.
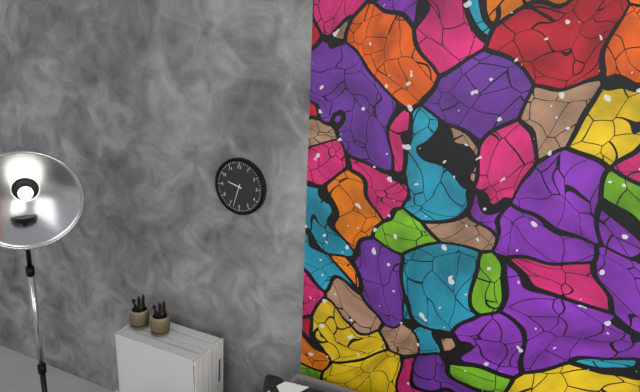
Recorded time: 9:33
